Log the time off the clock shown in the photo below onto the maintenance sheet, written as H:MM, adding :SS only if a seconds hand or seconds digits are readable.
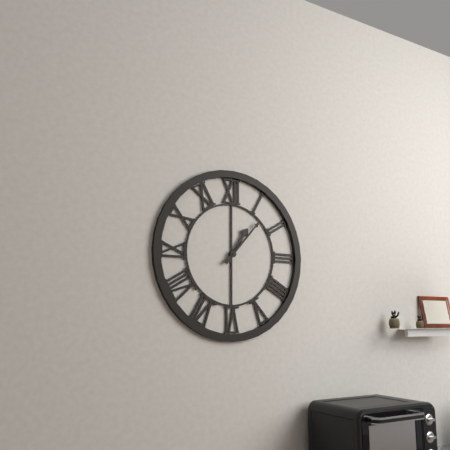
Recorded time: 1:07
